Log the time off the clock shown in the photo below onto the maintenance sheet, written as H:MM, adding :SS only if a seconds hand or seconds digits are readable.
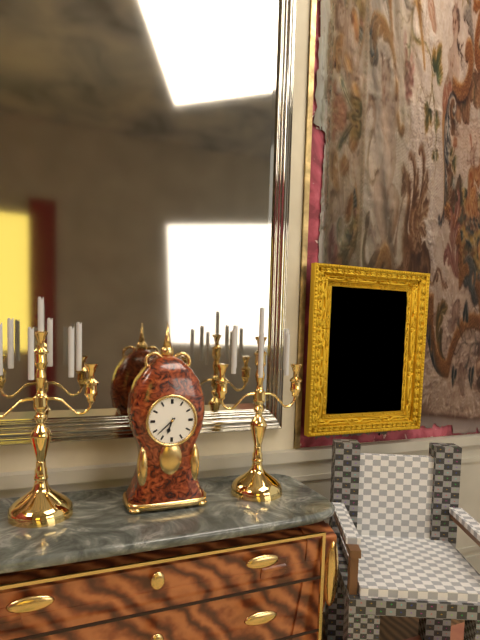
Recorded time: 6:38
